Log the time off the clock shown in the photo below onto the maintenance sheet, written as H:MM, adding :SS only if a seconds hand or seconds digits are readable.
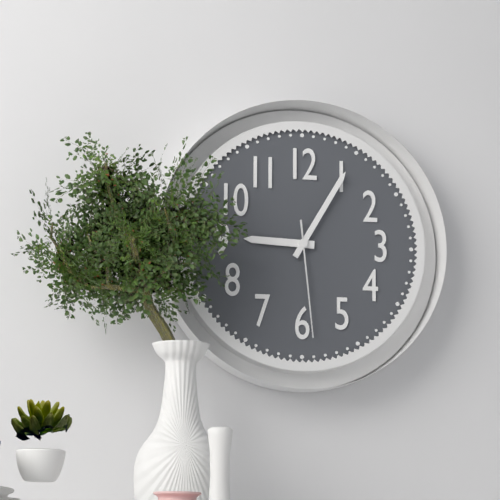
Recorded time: 9:05:29
